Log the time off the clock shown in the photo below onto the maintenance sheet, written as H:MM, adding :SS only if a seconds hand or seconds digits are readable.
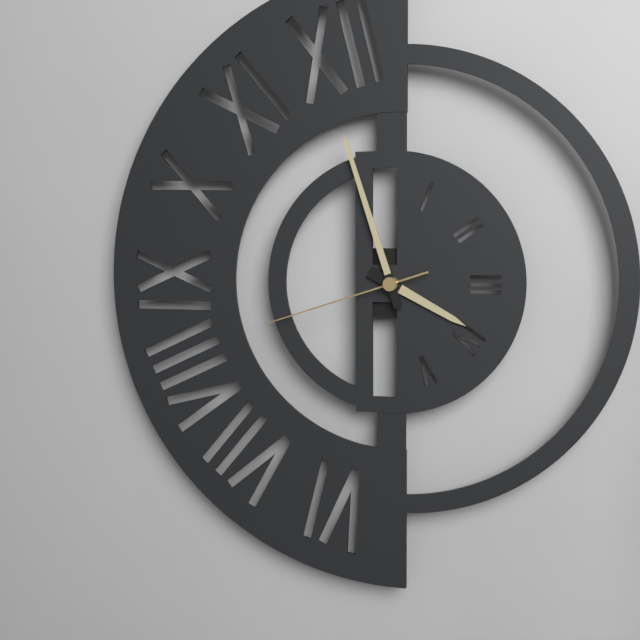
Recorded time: 3:57:42
